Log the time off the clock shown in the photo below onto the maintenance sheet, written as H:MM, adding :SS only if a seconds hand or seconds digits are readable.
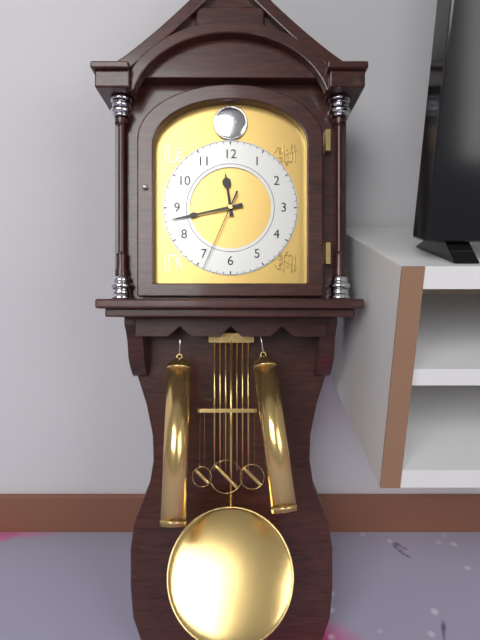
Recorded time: 11:43:34
